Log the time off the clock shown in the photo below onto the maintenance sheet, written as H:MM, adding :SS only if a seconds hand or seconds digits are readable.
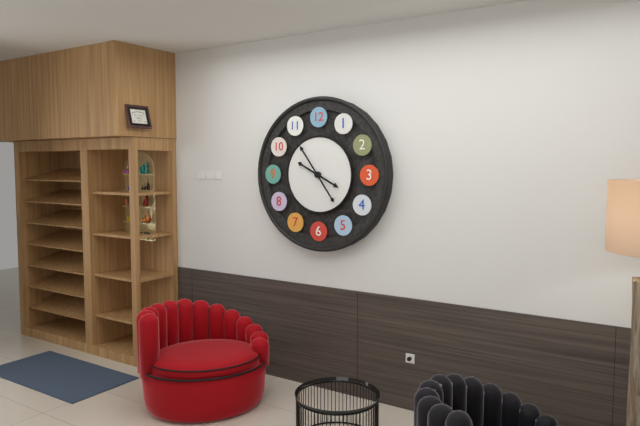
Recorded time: 3:54
